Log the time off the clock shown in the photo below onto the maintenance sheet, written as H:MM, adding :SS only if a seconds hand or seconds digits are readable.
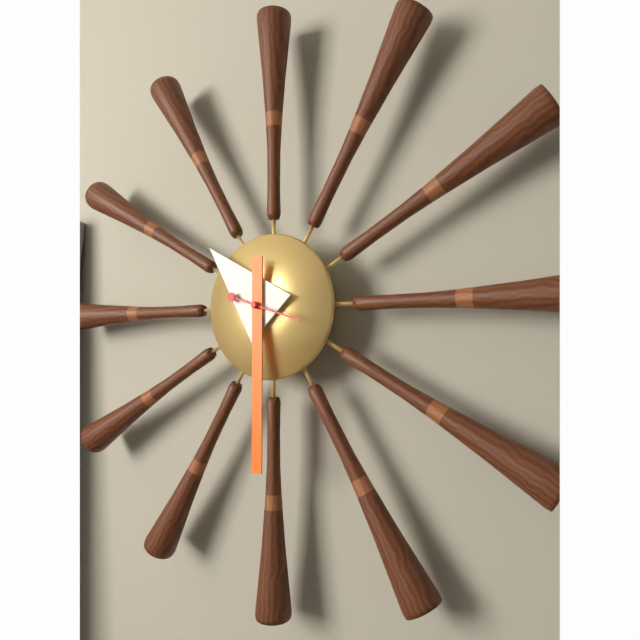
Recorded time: 10:30
